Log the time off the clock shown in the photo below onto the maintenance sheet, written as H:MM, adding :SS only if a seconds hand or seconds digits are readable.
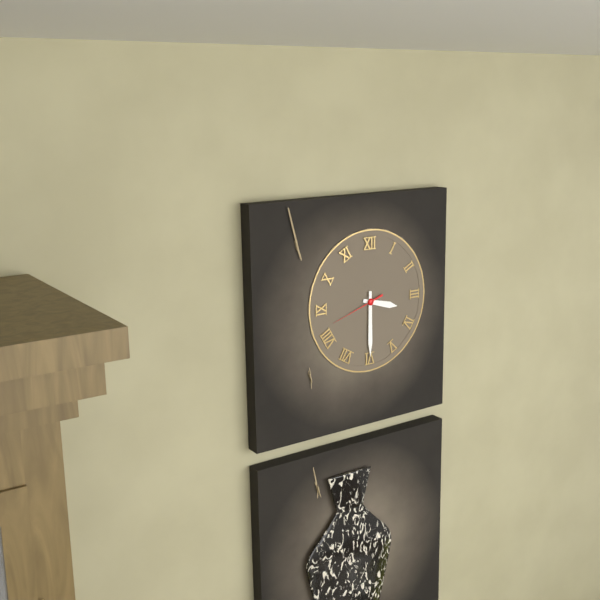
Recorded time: 3:30:42
